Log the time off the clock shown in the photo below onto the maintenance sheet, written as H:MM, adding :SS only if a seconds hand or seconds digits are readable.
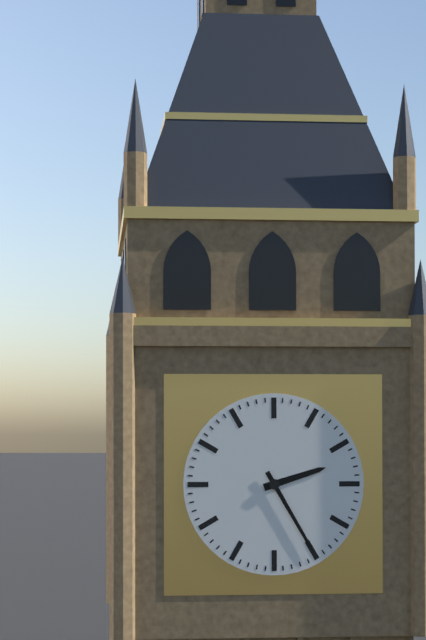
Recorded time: 2:25
